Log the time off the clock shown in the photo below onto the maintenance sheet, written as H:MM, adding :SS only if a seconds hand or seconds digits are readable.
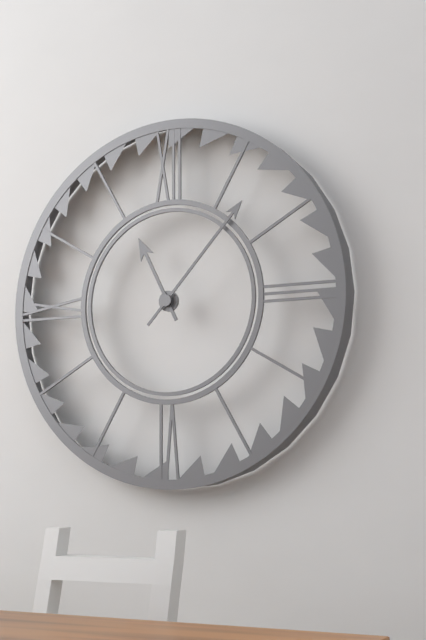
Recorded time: 11:07
